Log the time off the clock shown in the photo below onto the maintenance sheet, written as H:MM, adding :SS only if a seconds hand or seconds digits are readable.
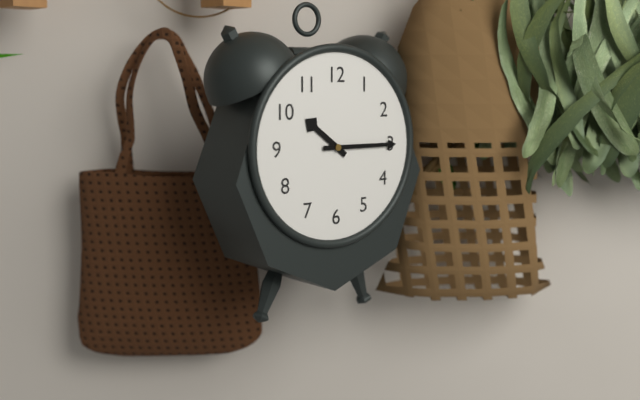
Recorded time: 10:15
